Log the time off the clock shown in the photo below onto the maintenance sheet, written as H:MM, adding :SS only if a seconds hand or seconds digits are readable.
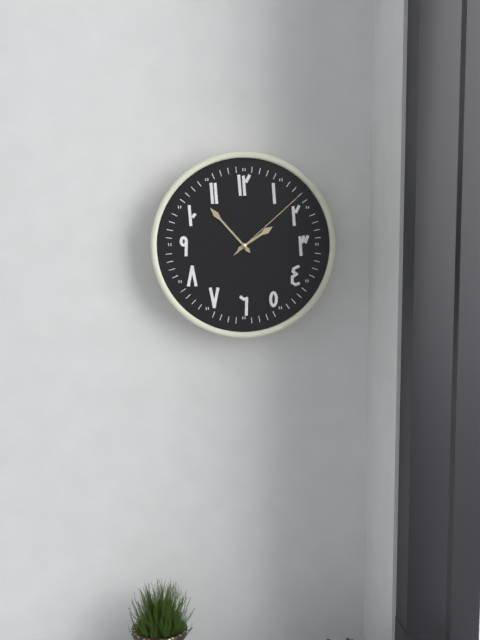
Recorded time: 1:53:08
